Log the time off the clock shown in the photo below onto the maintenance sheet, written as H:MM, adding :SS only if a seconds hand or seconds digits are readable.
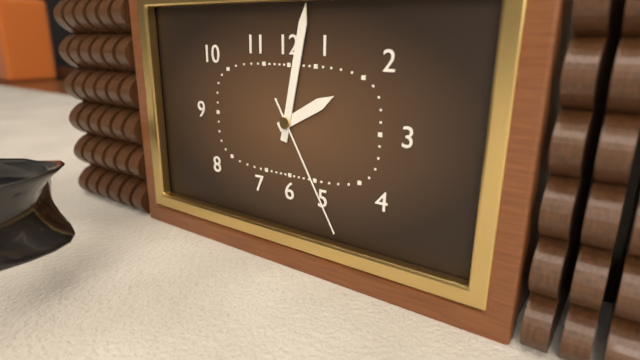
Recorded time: 2:02:25
